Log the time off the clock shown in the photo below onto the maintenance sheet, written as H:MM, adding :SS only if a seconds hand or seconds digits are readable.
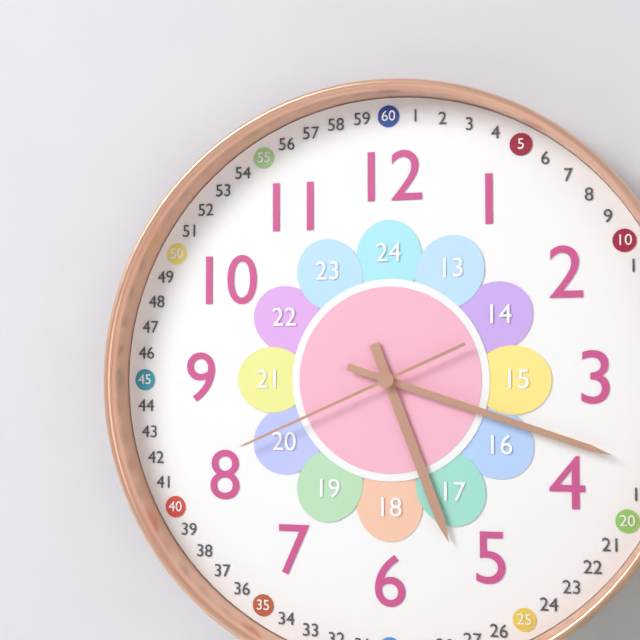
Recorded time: 5:18:41
